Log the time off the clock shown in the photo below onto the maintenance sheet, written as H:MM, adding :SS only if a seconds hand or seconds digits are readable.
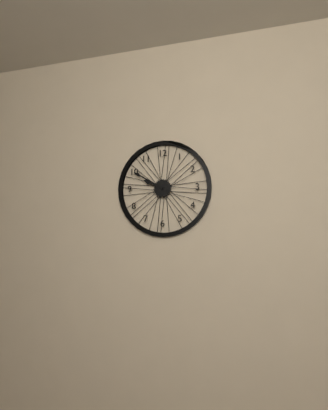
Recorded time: 9:50
